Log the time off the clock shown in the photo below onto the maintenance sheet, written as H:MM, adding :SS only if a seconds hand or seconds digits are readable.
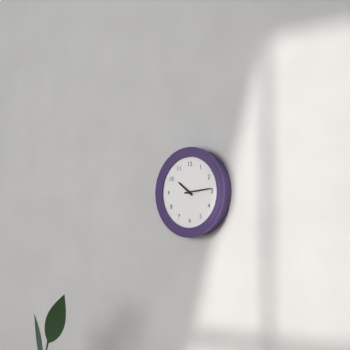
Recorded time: 10:14
